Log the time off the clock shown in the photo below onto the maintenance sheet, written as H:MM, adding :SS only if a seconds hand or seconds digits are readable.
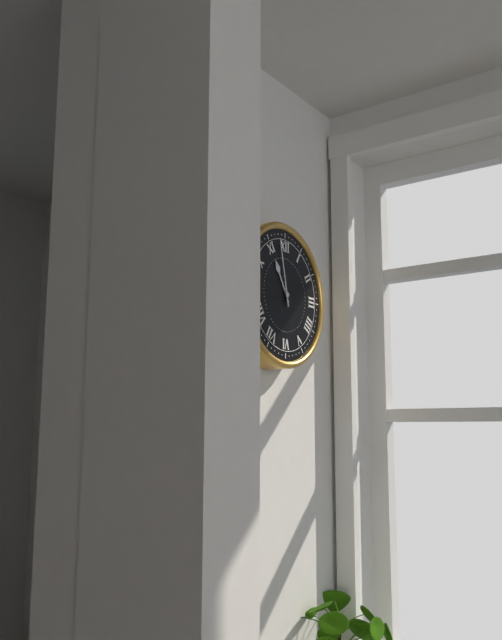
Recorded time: 10:58
